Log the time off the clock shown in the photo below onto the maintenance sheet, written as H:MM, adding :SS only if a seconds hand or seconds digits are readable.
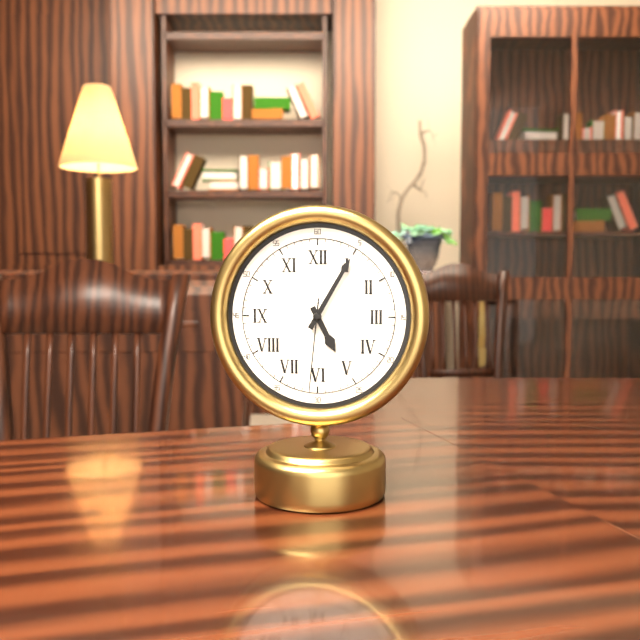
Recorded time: 5:05:31
